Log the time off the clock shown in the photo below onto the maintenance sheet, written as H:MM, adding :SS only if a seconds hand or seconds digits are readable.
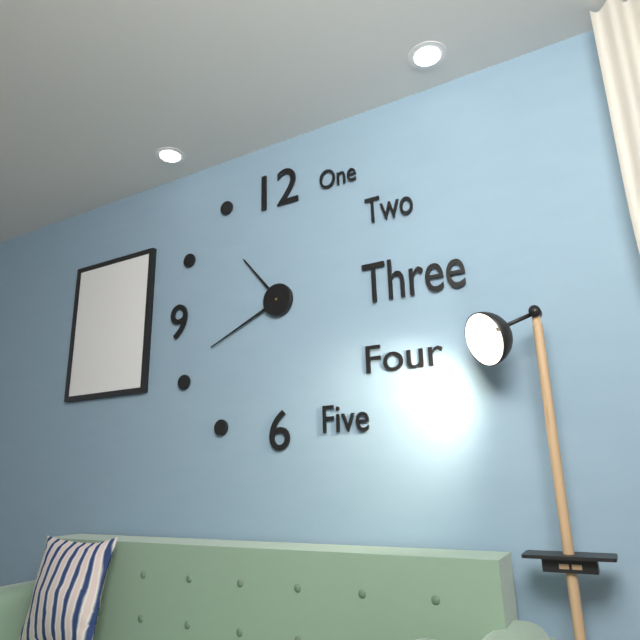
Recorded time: 10:41
